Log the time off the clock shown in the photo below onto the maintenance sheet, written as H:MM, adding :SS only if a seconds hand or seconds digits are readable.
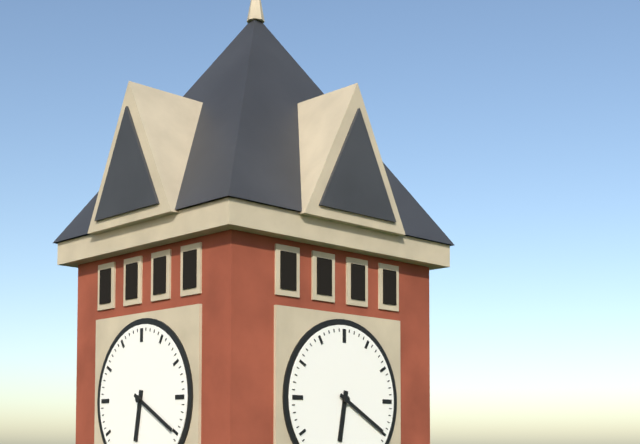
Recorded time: 6:20
